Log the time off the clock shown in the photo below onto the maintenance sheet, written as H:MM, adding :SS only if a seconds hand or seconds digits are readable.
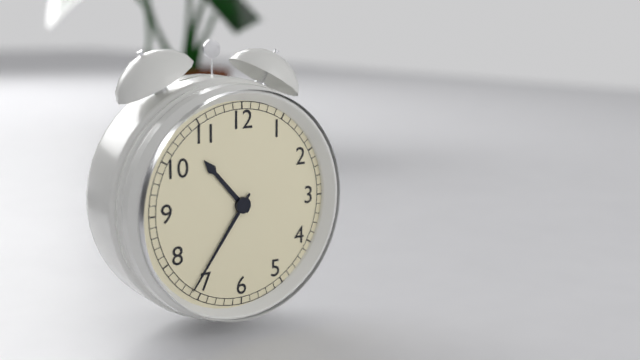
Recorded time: 10:36
